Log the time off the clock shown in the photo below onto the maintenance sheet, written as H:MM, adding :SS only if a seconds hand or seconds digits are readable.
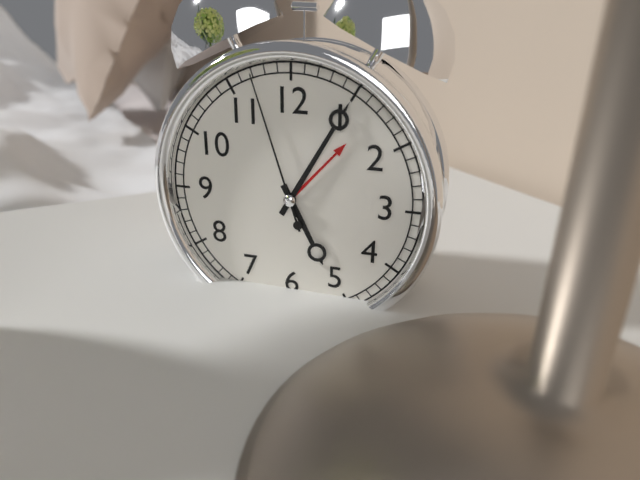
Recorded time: 5:05:57
